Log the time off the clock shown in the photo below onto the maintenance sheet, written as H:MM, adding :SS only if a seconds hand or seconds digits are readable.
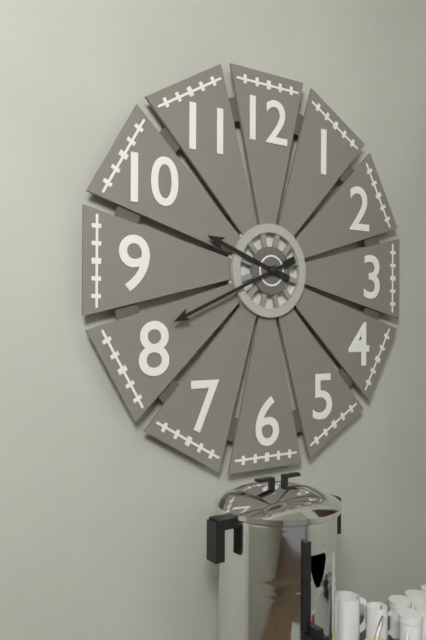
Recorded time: 9:41
